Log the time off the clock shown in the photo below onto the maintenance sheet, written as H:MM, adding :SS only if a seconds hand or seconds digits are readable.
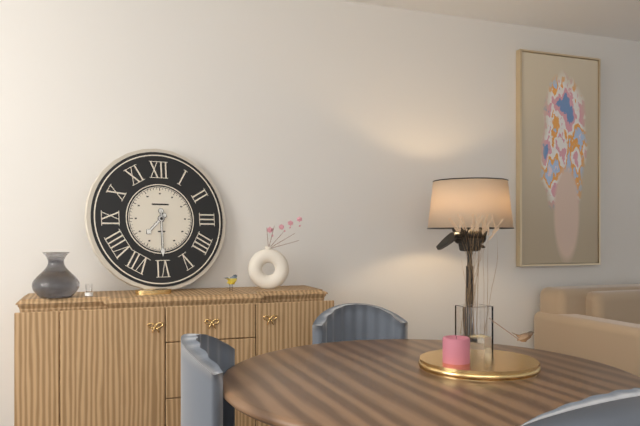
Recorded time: 7:30
